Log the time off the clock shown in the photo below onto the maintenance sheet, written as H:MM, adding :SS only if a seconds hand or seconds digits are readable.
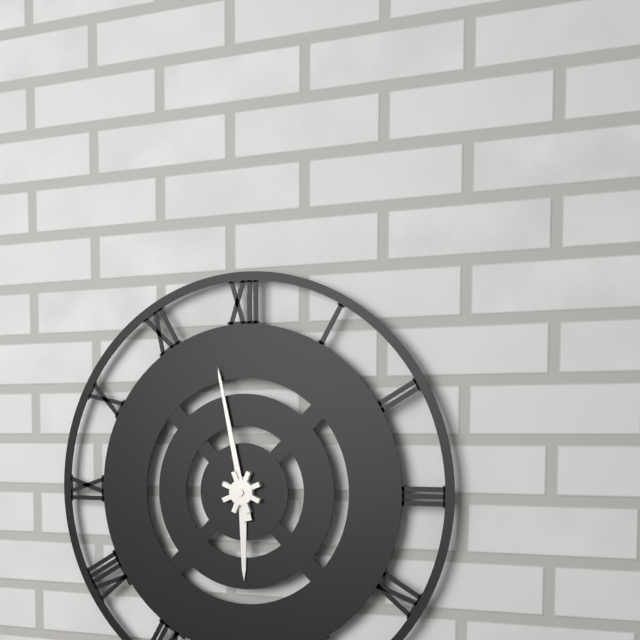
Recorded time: 5:58
